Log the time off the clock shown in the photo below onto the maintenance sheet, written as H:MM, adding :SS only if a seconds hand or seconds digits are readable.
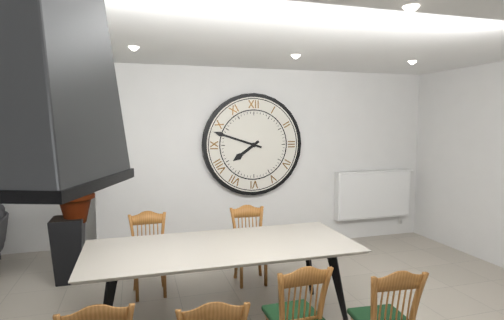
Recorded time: 7:48
